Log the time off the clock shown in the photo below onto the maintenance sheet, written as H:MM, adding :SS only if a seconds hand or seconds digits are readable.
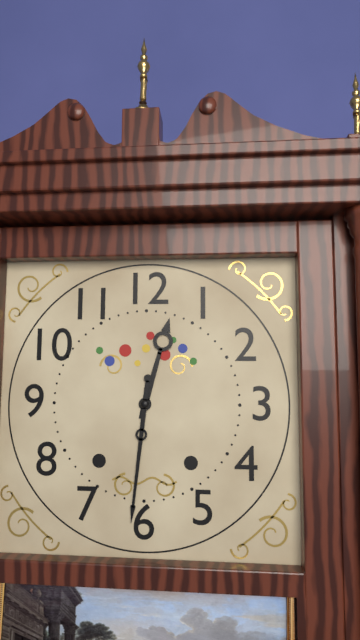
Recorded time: 12:31
